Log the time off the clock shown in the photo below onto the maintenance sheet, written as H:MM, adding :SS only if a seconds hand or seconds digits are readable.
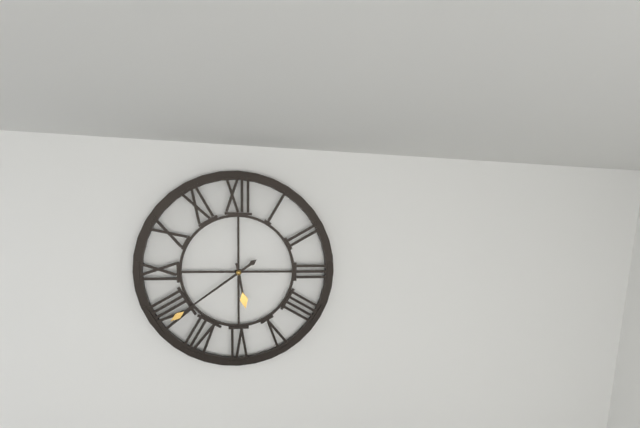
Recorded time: 5:39
